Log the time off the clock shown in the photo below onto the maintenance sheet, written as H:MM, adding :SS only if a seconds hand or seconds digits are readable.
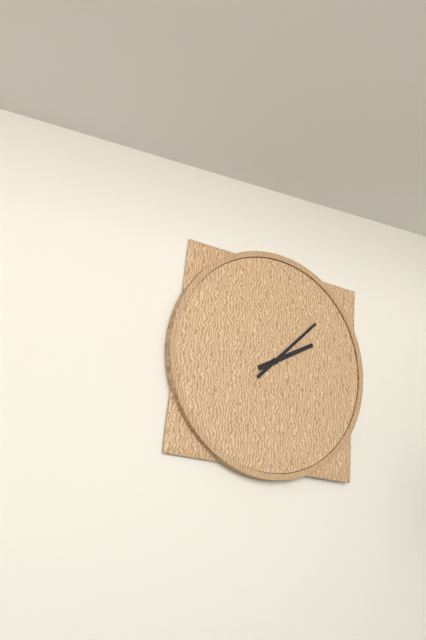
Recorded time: 2:08
